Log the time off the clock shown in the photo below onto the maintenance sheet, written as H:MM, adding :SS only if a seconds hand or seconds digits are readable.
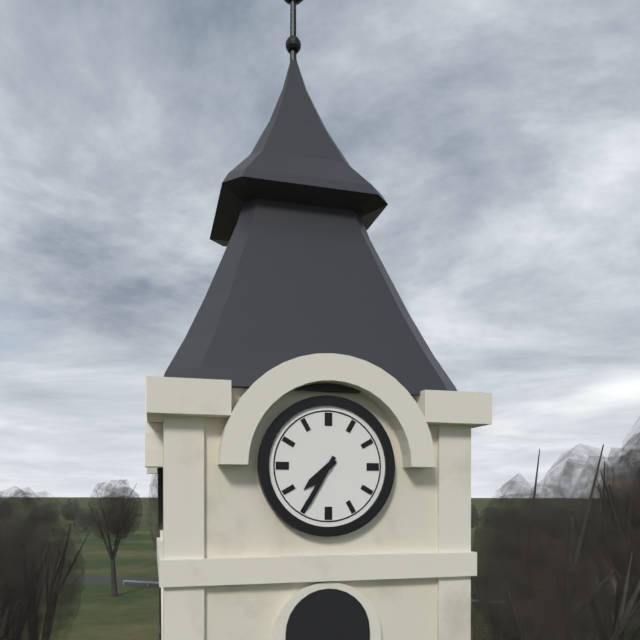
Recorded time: 7:35
